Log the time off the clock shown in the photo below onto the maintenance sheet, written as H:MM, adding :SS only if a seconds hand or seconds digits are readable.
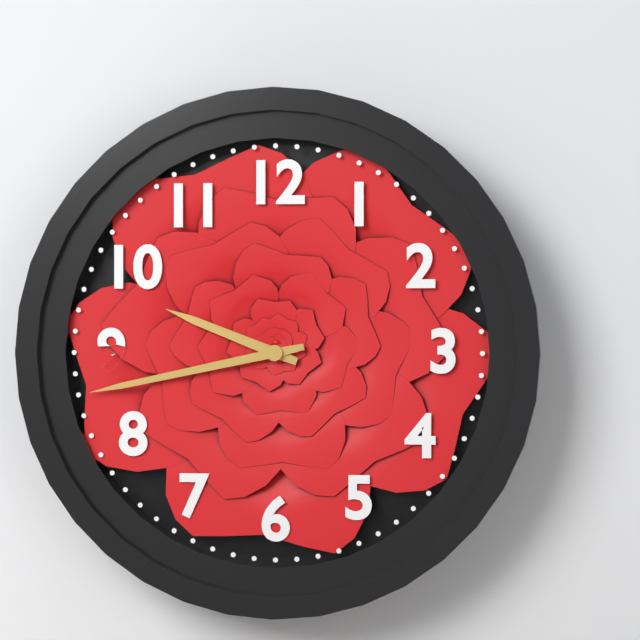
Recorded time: 9:43
